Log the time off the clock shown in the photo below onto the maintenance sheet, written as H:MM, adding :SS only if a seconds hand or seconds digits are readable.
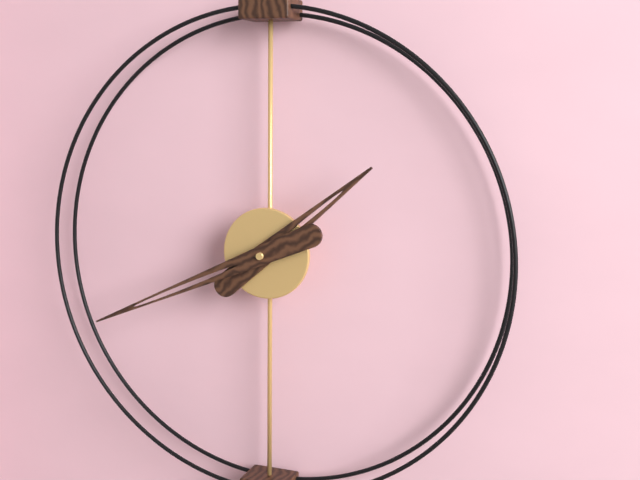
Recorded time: 1:41
